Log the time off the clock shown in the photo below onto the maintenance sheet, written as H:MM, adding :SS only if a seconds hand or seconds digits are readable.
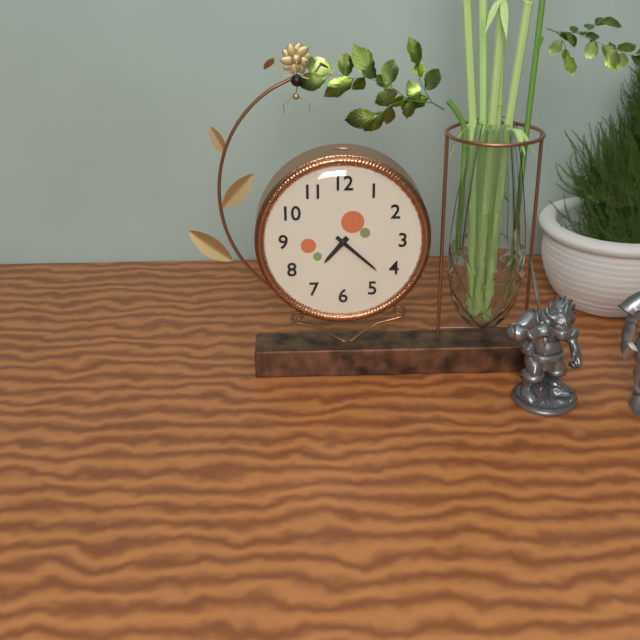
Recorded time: 7:22
